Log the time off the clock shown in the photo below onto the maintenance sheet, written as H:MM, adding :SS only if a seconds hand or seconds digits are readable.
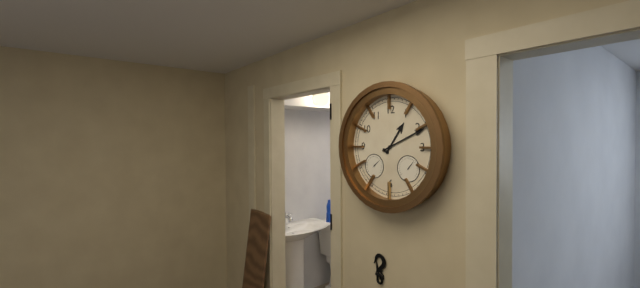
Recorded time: 1:11
